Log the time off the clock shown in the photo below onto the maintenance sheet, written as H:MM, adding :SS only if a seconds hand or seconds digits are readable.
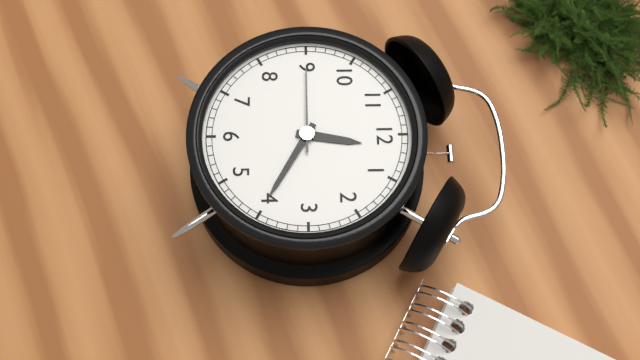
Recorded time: 12:20:45
